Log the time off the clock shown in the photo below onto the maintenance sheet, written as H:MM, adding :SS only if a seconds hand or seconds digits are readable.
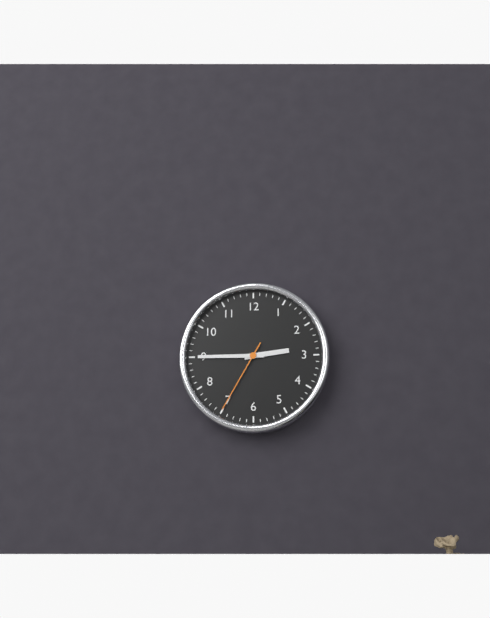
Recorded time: 2:45:35
